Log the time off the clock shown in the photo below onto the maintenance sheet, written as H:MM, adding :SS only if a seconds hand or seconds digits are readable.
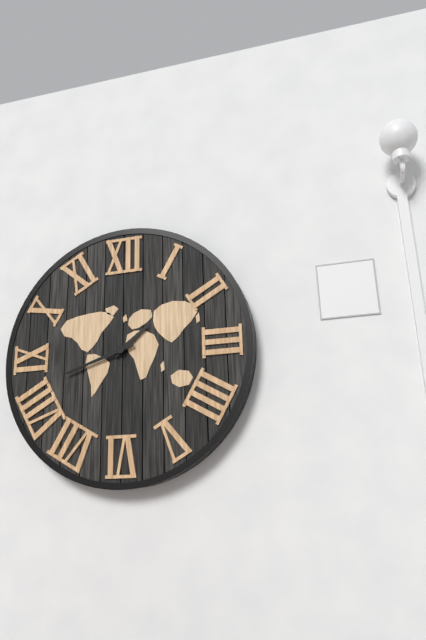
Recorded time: 1:42
